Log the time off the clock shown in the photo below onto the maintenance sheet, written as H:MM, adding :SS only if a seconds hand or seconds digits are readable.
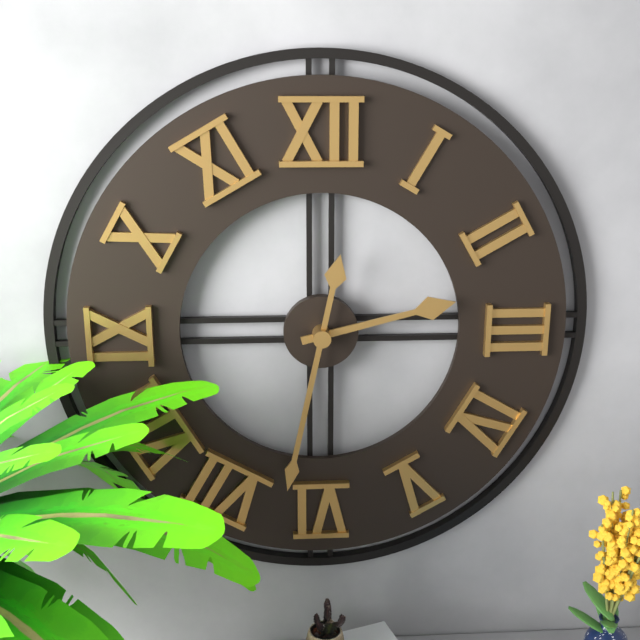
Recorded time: 2:32
